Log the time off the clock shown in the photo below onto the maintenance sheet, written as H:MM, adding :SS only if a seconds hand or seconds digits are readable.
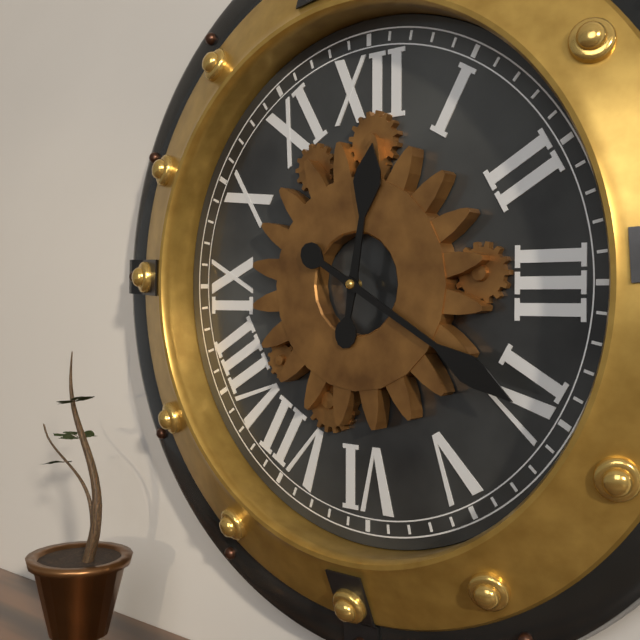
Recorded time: 12:20
